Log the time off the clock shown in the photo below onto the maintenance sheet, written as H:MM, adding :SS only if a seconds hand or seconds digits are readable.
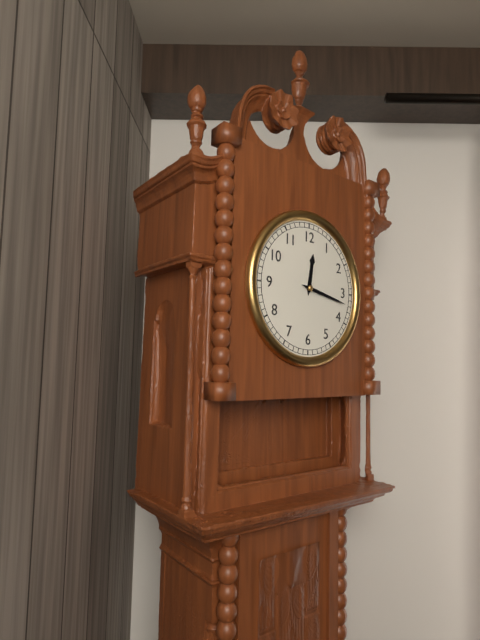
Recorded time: 12:17
